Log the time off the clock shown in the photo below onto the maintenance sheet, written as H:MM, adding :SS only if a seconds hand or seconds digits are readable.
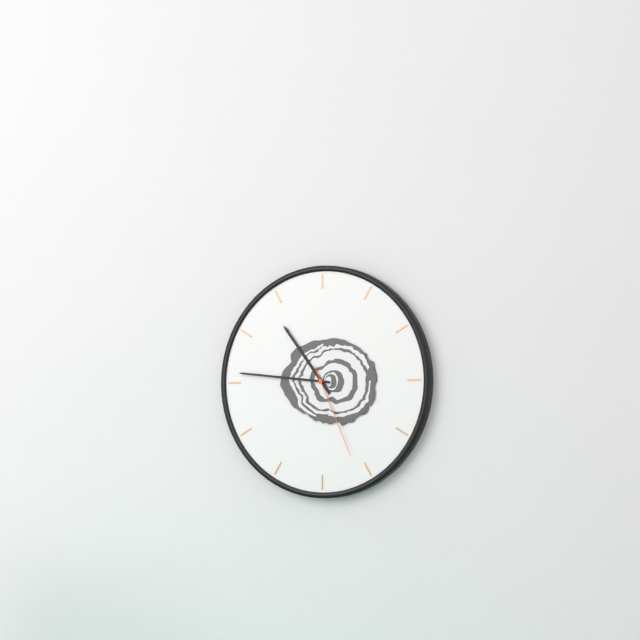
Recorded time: 10:46:26
